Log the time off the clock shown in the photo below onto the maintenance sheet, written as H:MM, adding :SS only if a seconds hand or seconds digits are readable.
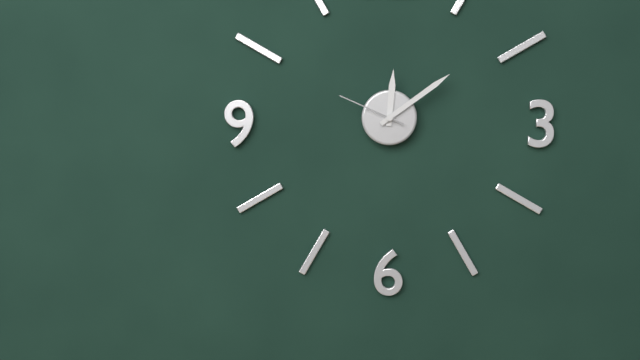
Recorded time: 12:09:49
